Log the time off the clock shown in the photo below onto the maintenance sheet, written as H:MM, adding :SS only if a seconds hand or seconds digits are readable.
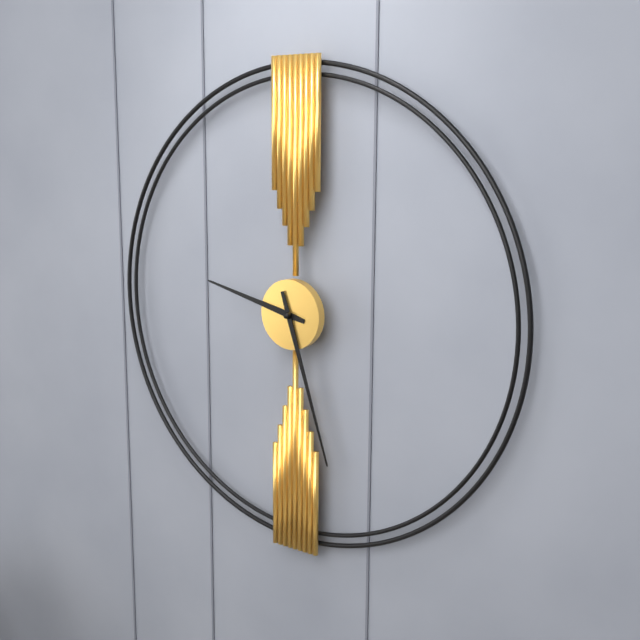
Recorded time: 9:27
